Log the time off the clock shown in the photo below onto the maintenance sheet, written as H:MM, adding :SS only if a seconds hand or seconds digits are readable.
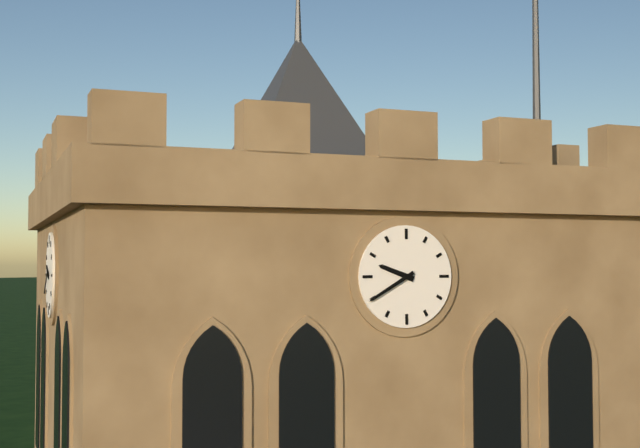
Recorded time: 9:40
